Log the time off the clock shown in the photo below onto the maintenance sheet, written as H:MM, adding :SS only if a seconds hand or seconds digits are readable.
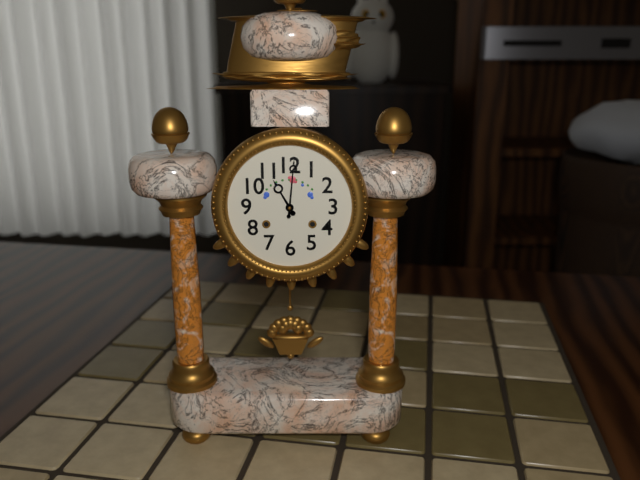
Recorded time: 11:01
